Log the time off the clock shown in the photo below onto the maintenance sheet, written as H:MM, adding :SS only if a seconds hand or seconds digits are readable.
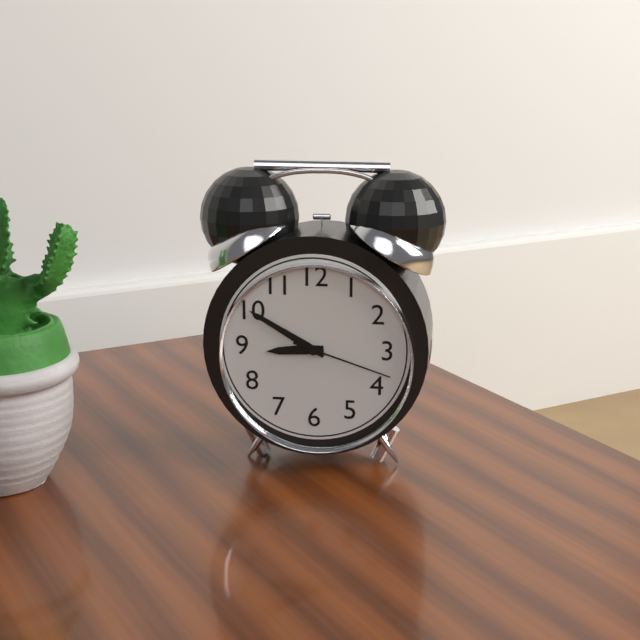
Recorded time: 8:50:18
